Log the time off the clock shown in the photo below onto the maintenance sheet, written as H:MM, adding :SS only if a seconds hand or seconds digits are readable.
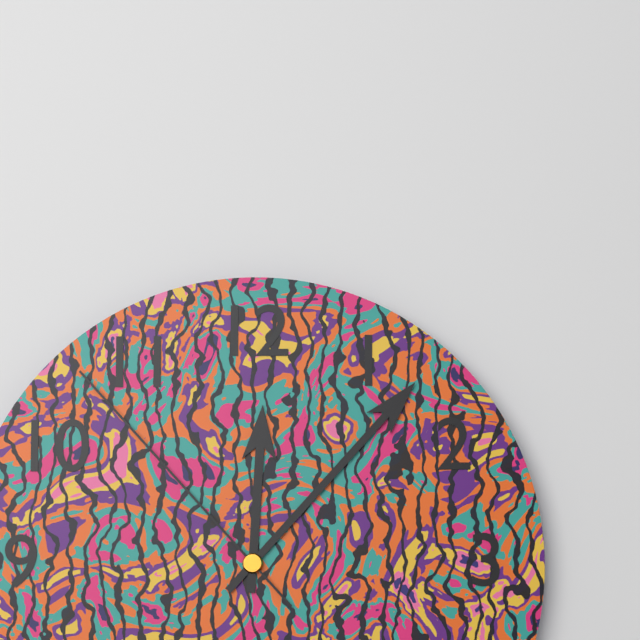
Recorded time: 12:07:53
